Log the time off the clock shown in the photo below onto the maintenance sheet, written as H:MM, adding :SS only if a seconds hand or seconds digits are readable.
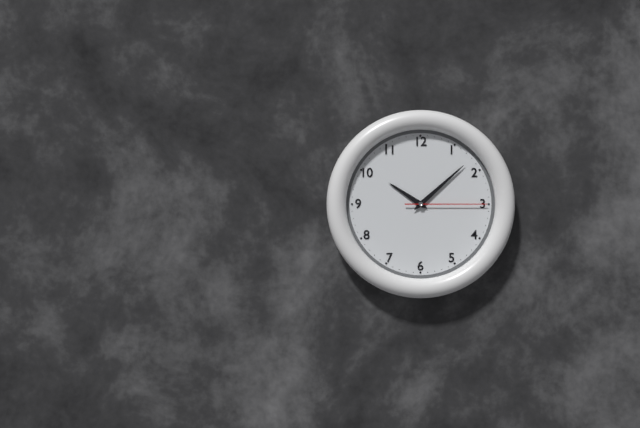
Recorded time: 10:08:15
